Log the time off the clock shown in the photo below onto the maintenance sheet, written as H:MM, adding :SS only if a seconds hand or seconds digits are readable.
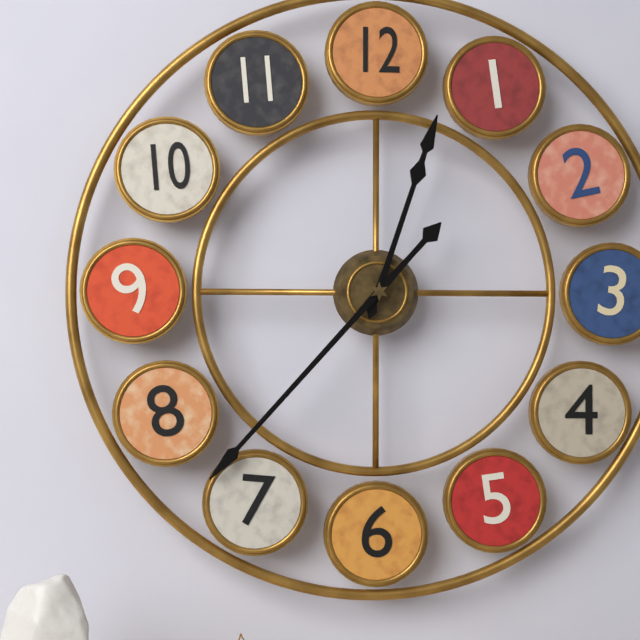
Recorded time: 12:37
